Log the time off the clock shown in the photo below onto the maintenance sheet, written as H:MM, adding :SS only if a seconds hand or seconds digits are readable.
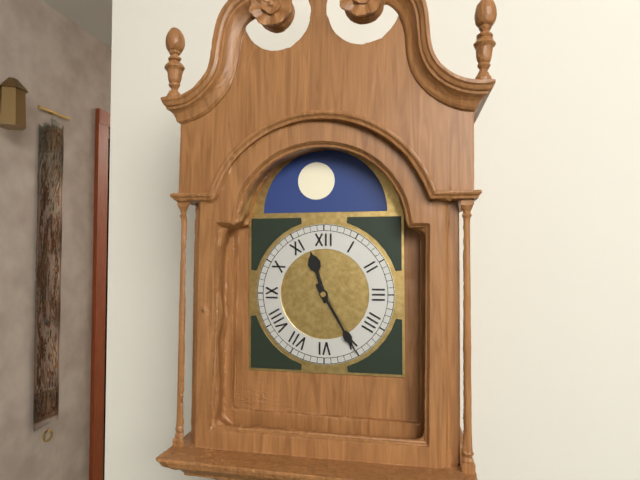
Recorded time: 11:25
